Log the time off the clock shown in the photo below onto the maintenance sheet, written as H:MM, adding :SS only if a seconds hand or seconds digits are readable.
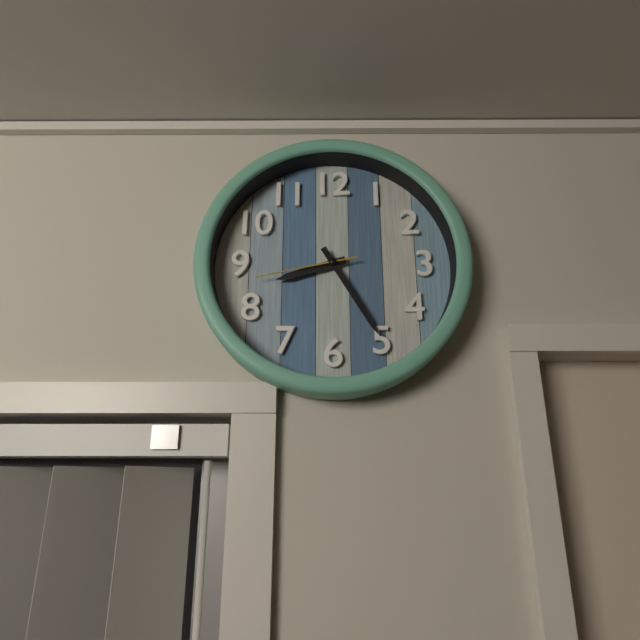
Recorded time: 8:25:43
